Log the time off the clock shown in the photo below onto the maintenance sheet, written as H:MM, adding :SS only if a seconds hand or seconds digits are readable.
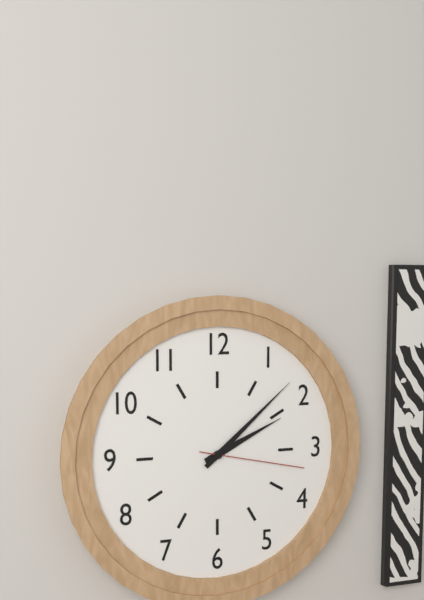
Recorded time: 2:08:17
